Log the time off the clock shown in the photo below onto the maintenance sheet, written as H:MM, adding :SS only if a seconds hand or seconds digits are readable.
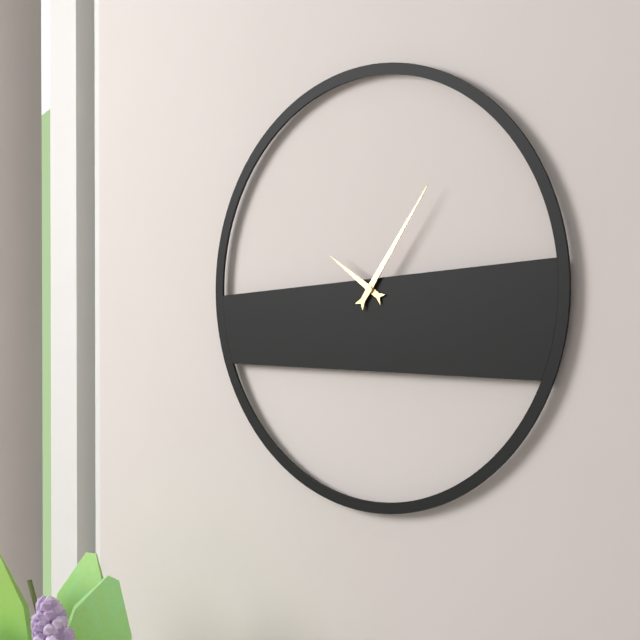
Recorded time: 10:06
